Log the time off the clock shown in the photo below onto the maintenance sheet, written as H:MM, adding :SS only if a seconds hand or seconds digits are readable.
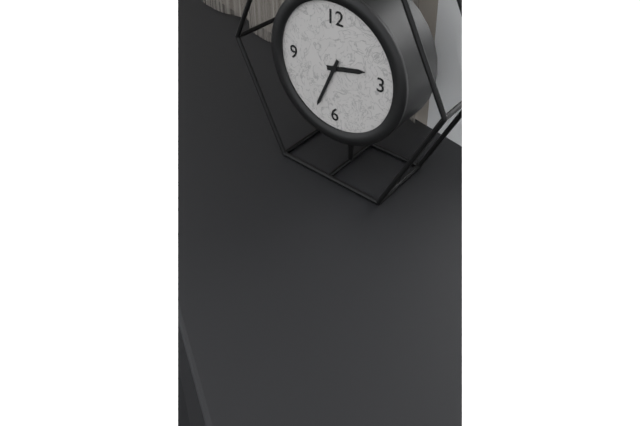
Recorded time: 2:34
